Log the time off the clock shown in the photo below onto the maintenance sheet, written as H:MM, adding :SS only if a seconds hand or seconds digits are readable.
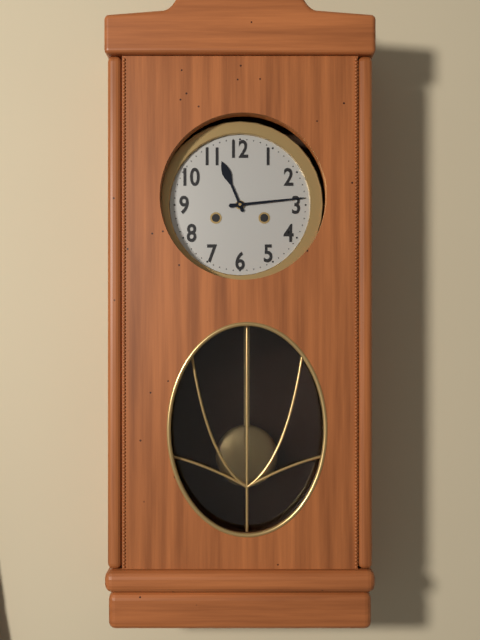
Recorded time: 11:14
